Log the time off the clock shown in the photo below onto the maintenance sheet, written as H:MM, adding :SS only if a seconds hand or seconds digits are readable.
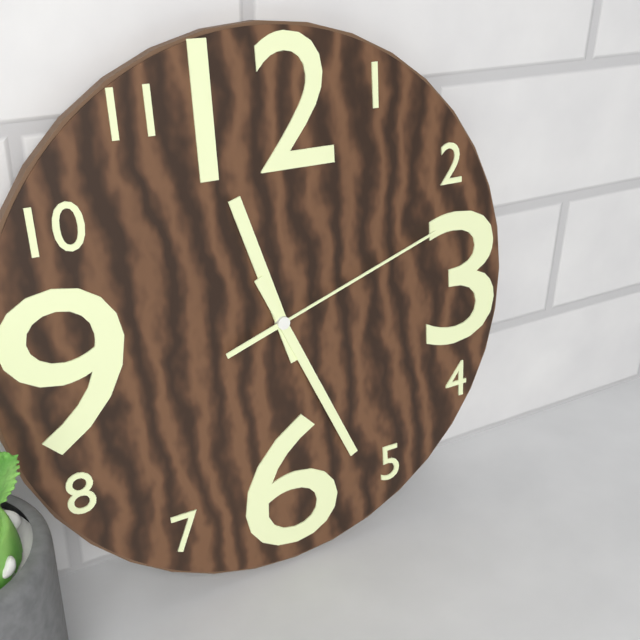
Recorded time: 11:26:12
